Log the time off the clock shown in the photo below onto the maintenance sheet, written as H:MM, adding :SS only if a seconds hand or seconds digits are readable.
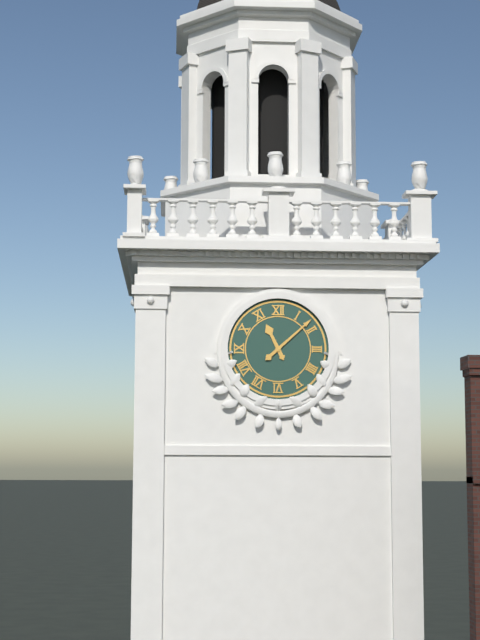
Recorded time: 11:08
